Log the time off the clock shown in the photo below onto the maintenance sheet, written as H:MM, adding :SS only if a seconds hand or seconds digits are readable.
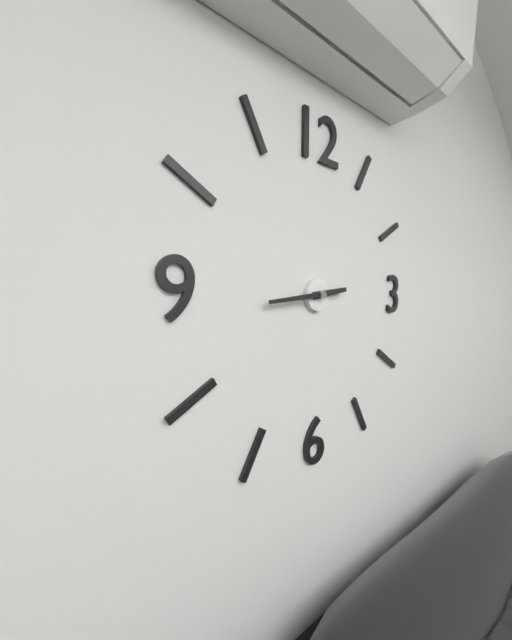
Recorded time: 2:44
